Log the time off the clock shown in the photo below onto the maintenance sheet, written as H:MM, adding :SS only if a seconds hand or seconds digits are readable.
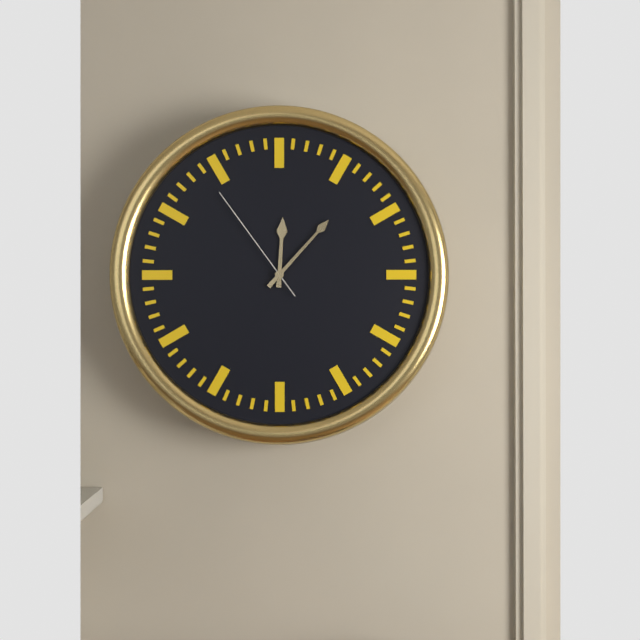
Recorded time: 12:07:54
